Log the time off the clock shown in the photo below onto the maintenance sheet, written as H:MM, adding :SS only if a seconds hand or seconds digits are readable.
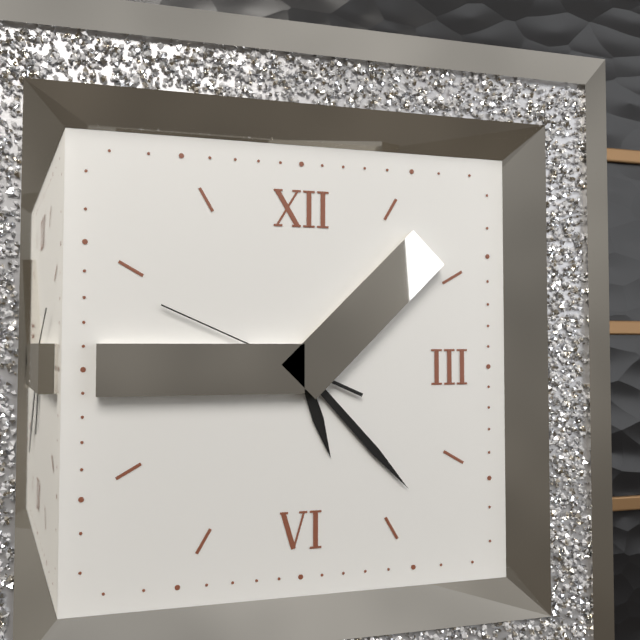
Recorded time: 5:23:49
